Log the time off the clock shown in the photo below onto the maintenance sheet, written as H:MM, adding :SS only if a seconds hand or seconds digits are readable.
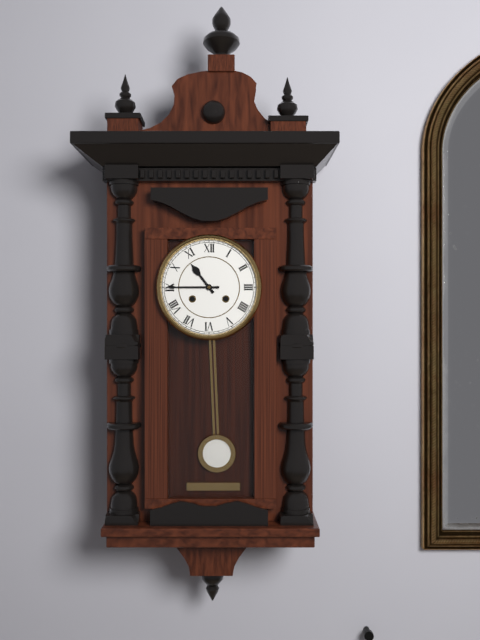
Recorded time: 10:45
